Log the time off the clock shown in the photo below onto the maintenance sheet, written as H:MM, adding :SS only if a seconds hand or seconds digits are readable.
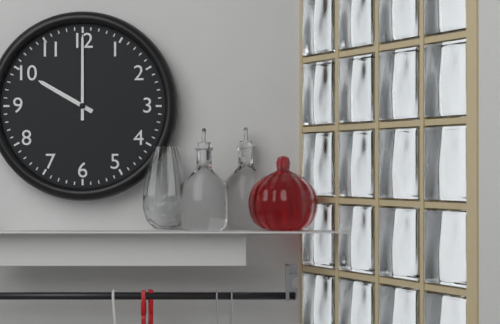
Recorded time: 10:00
